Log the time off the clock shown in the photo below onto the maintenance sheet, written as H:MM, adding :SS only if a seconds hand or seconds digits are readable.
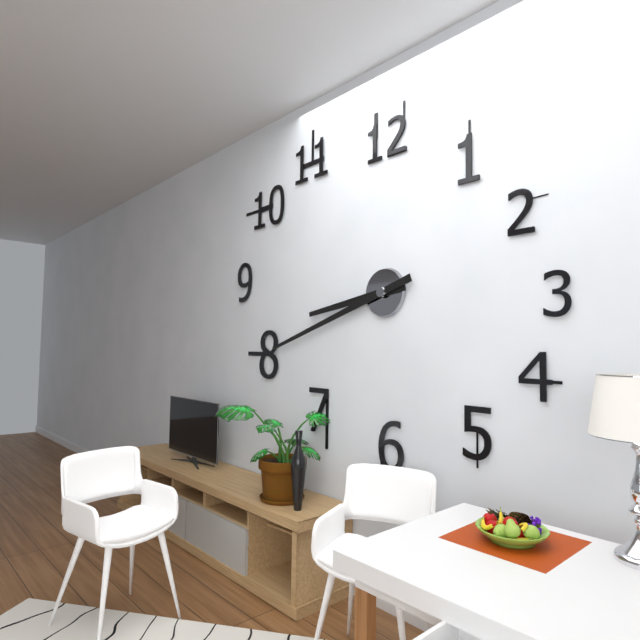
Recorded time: 8:42
